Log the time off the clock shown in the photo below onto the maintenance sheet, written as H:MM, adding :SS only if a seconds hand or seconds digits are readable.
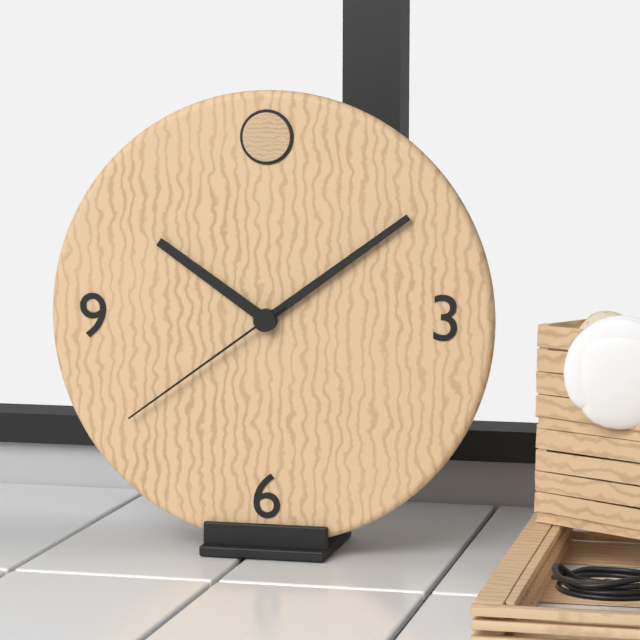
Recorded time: 10:09:39
